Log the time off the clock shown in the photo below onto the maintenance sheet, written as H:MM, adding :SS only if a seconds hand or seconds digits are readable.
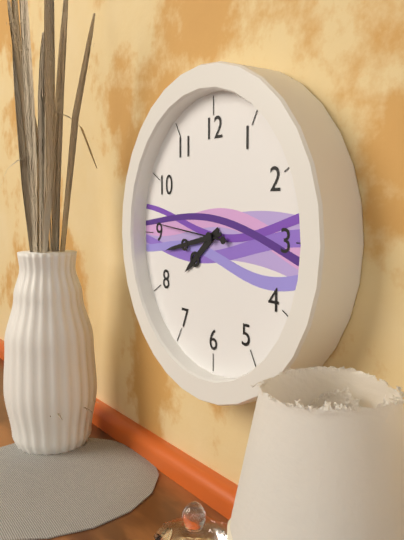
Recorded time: 7:43:46
